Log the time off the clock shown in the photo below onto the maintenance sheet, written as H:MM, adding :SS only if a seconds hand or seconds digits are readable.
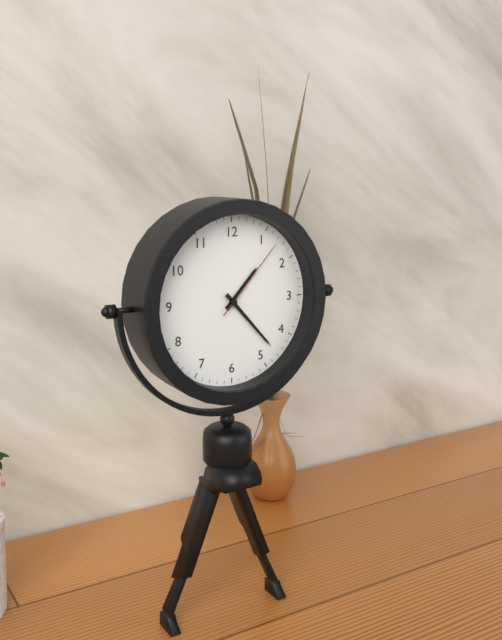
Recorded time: 1:23:07
